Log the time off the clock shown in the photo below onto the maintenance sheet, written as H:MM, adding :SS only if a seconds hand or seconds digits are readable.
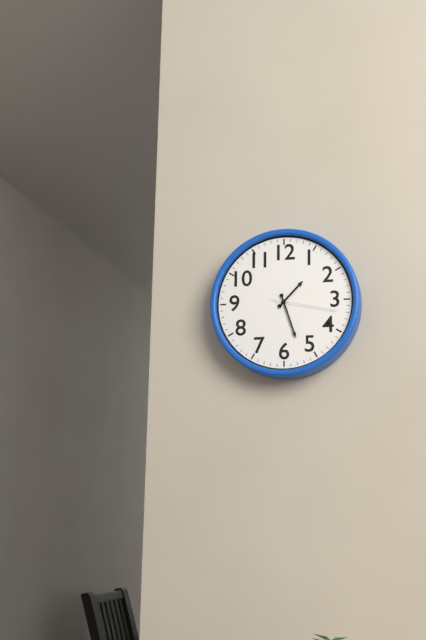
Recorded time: 1:27:17
